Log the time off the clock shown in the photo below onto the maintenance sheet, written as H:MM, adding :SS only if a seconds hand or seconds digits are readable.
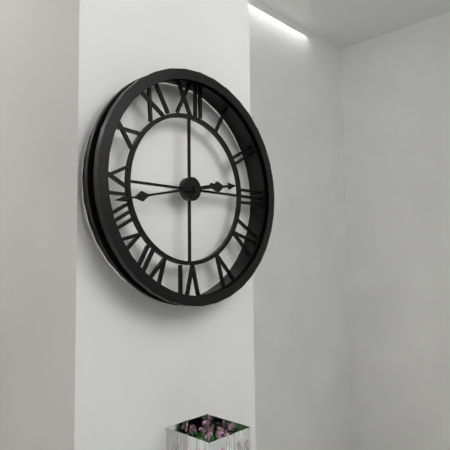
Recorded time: 2:43
